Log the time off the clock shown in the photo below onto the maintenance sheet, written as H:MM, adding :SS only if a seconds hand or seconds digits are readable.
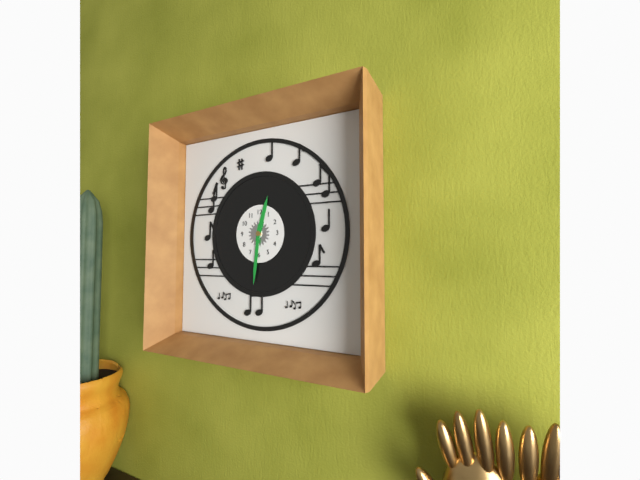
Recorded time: 12:31
